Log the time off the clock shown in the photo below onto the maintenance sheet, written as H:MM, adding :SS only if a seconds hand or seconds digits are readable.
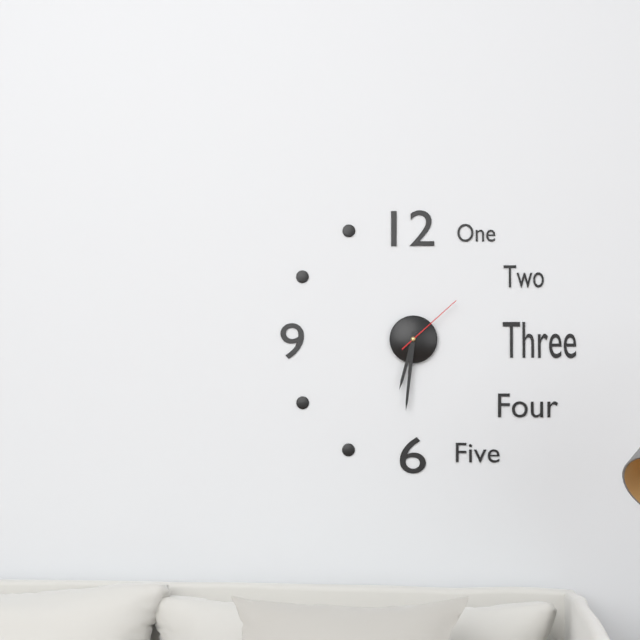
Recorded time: 6:31:08
